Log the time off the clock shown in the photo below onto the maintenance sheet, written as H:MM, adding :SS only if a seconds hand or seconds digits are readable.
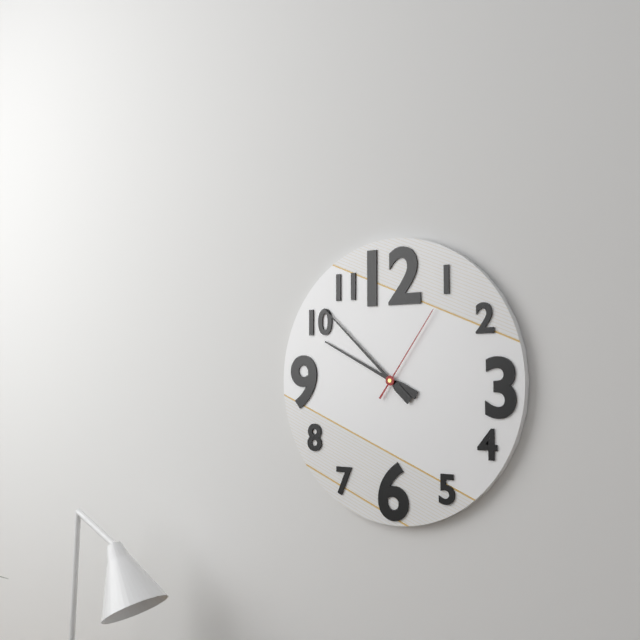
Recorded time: 9:52:06
